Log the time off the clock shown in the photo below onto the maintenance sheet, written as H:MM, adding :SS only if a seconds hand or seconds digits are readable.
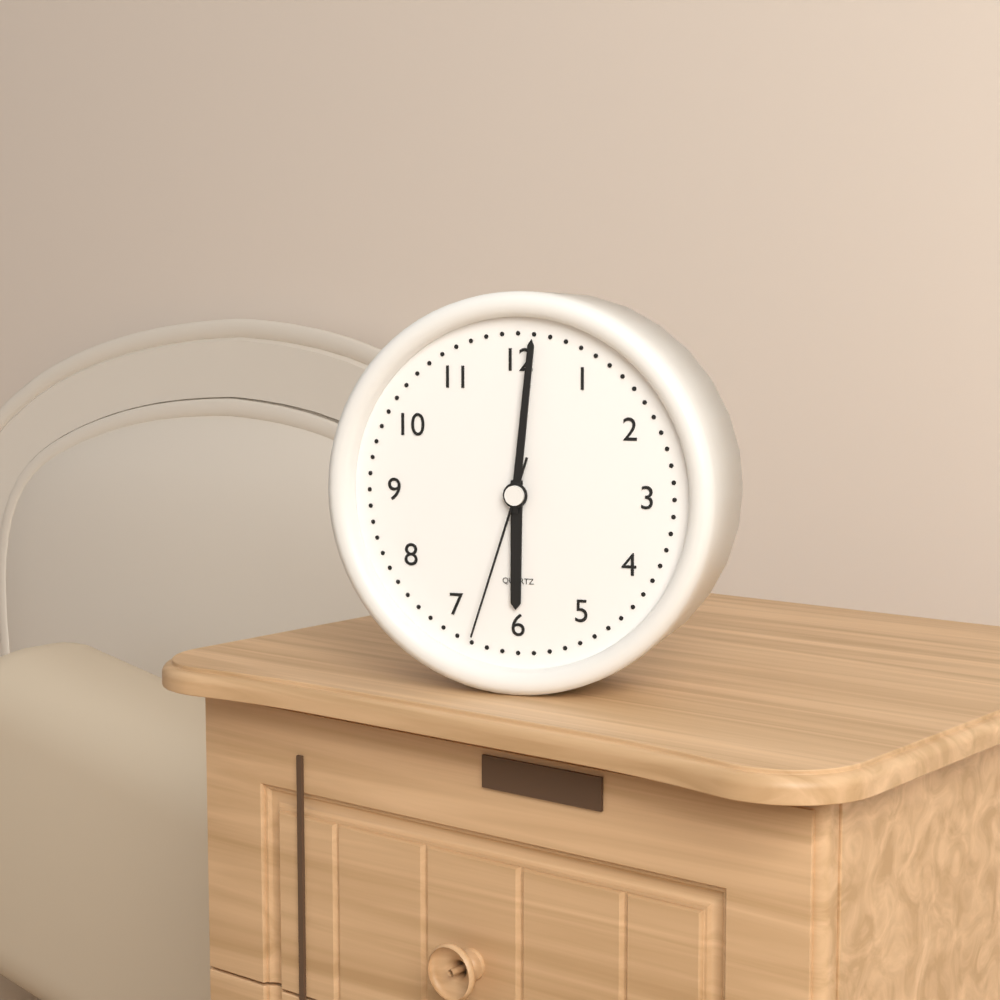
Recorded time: 6:01:33
